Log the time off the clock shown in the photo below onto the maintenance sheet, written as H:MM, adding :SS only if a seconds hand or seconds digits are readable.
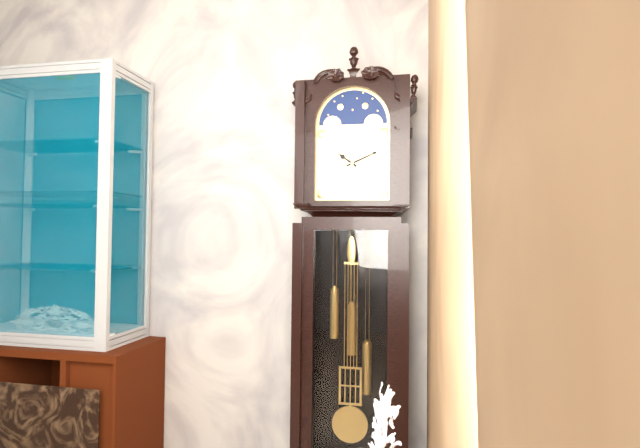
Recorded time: 10:11
